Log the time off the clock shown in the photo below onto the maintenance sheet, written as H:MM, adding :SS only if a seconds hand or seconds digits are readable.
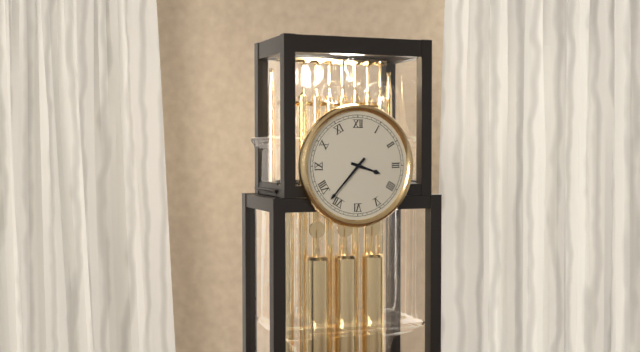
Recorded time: 3:37
